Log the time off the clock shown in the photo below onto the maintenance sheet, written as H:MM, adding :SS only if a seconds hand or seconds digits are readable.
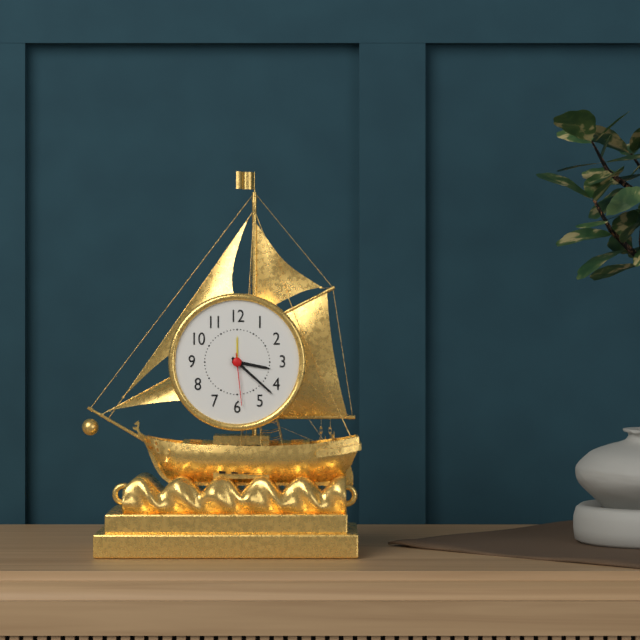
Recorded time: 3:22:29
